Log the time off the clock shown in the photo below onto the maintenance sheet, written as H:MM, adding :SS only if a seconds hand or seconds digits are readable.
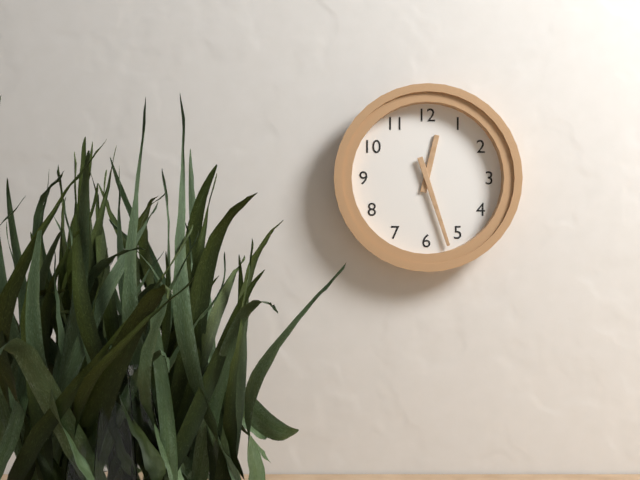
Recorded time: 12:27
